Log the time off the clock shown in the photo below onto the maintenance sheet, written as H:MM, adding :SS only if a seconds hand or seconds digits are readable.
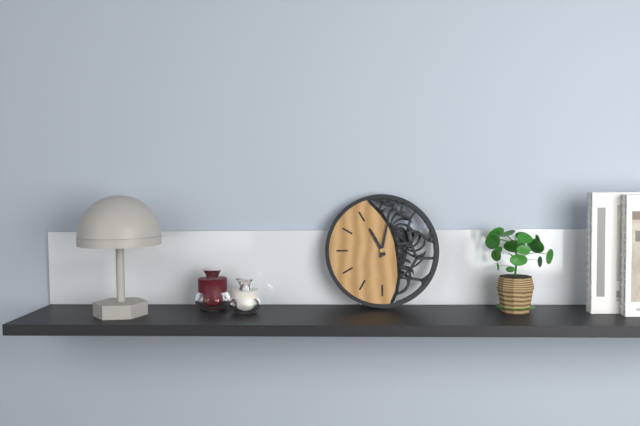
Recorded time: 11:02
